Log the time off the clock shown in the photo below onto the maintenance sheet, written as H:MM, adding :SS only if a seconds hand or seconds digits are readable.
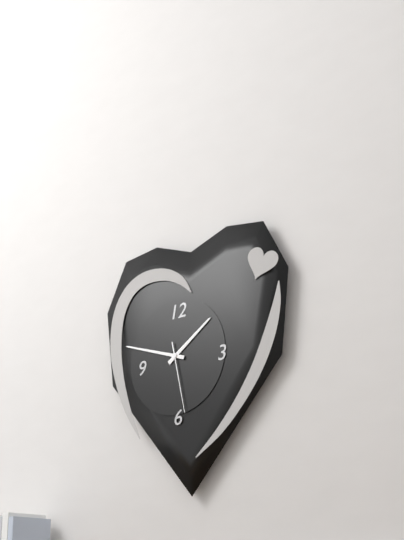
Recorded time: 1:48:28
